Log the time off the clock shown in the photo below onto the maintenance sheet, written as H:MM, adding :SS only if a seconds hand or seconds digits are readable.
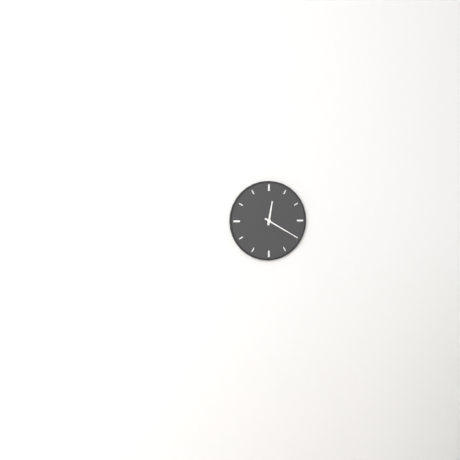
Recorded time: 12:20
